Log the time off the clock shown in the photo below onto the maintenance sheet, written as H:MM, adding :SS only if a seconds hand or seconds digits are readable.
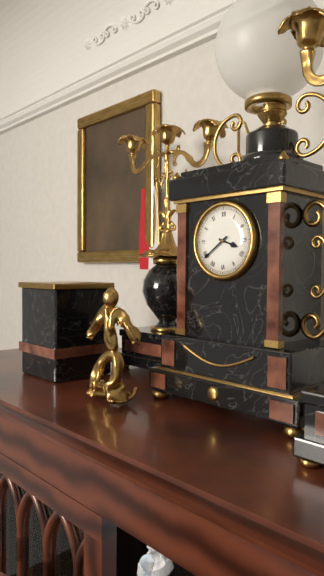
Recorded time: 3:39
